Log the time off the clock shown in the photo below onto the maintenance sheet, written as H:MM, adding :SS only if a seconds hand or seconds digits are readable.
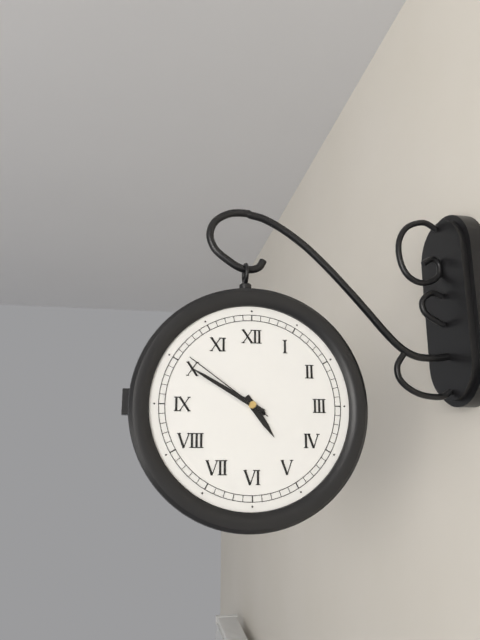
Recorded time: 4:50:51
